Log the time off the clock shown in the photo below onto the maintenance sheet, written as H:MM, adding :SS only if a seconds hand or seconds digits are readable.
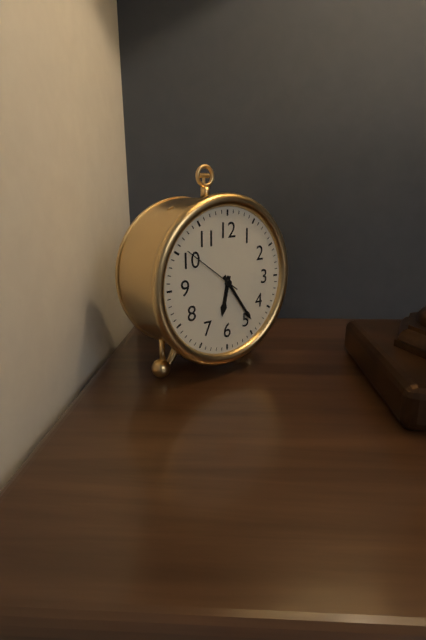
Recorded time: 6:24:51
